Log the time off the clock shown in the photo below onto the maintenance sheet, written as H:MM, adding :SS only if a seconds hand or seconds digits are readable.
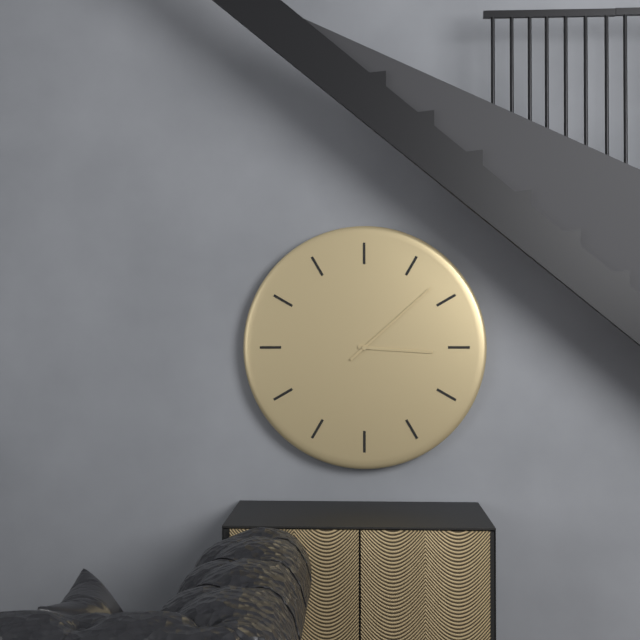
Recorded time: 3:08
